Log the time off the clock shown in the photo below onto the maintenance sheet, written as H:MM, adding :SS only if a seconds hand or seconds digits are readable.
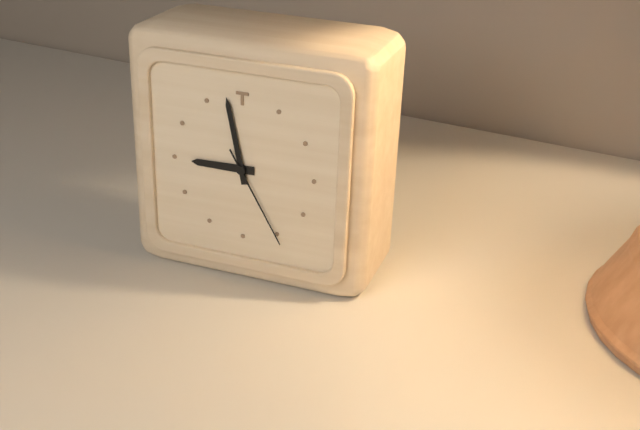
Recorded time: 8:58:25
